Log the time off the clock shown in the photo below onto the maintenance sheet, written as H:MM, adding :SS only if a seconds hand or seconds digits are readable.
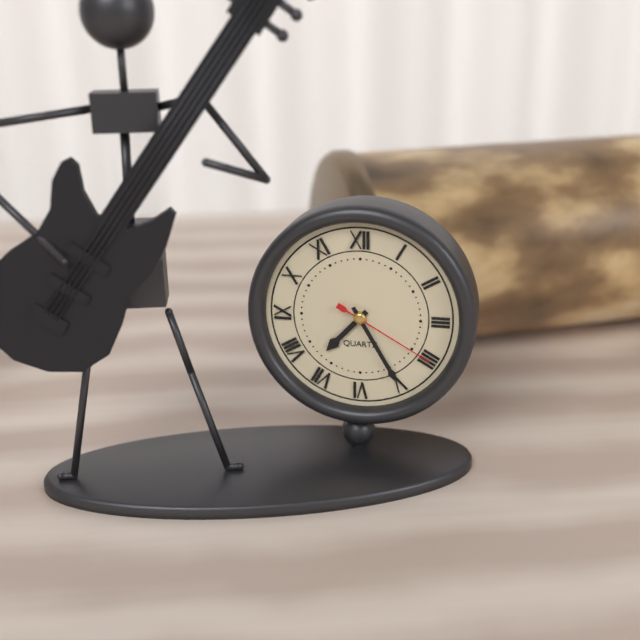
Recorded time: 7:25:20
